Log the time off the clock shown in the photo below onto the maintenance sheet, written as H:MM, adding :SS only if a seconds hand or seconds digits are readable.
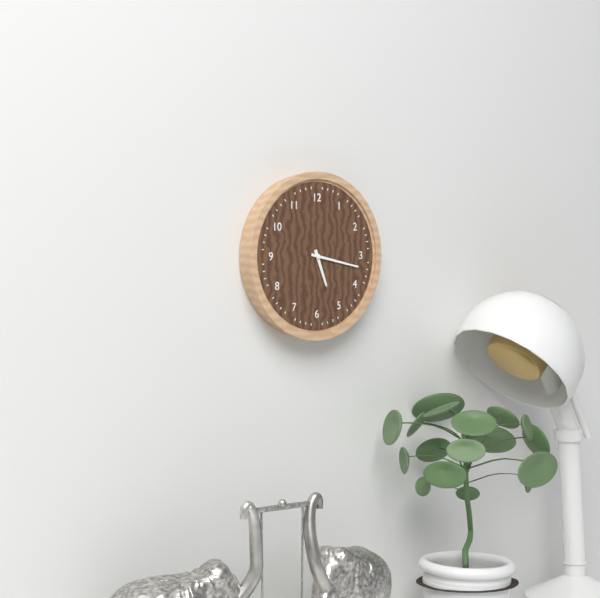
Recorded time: 5:17
